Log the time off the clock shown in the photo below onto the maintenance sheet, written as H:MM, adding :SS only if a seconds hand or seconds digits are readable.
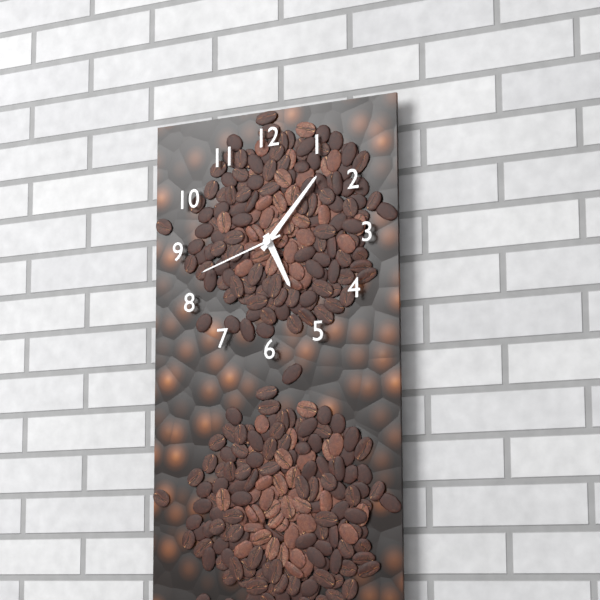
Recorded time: 5:07:42
